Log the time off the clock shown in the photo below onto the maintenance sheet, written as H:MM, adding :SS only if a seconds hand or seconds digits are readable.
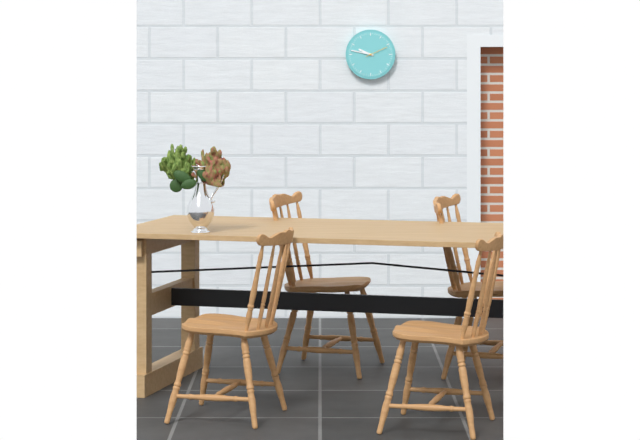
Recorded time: 9:47
